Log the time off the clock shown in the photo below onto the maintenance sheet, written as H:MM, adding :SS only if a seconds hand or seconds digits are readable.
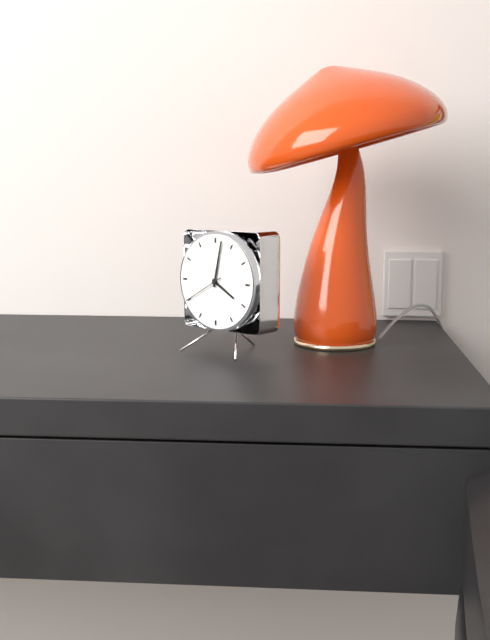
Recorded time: 4:02:40
